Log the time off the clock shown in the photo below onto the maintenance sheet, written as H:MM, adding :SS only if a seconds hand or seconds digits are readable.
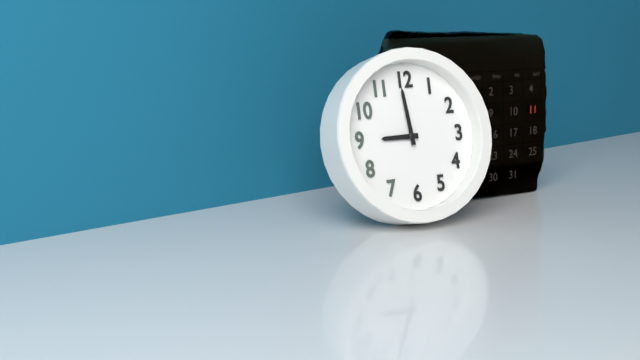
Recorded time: 8:59
